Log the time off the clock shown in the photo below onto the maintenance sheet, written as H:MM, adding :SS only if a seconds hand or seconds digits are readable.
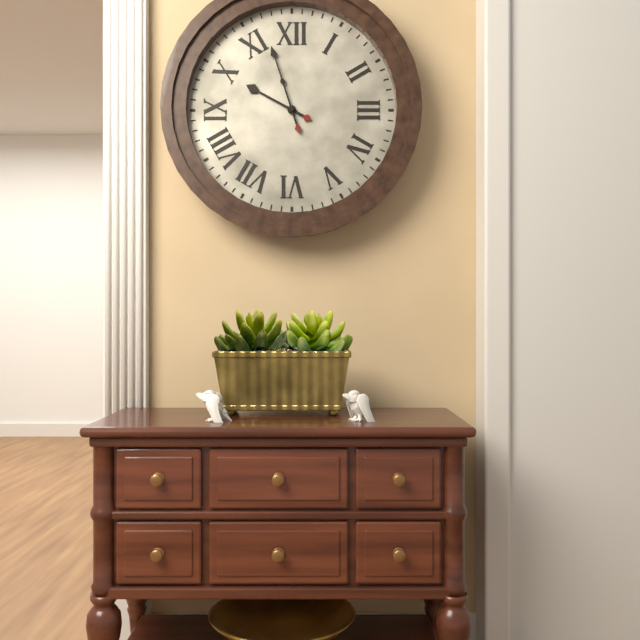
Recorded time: 9:57
